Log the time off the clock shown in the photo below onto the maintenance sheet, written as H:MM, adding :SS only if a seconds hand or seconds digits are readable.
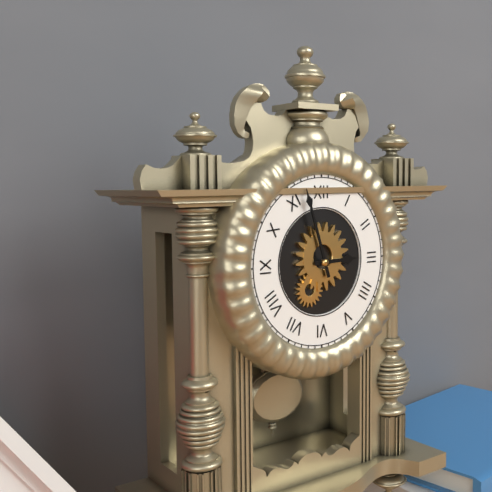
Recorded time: 2:57
